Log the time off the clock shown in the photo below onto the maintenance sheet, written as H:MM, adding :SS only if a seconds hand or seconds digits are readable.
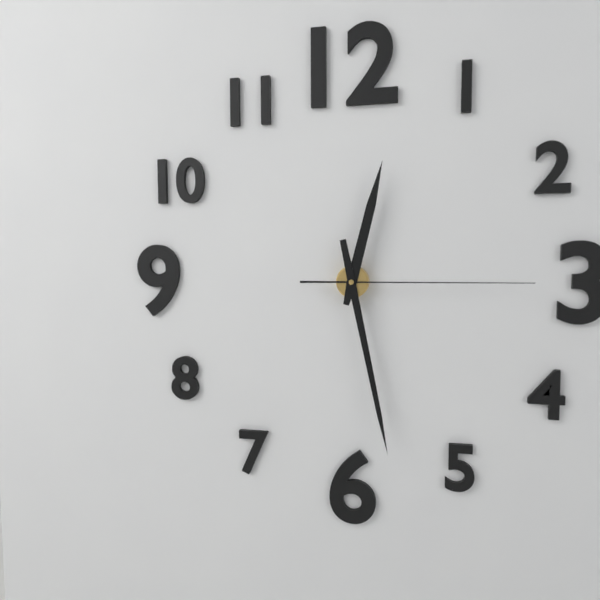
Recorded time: 12:28:15
